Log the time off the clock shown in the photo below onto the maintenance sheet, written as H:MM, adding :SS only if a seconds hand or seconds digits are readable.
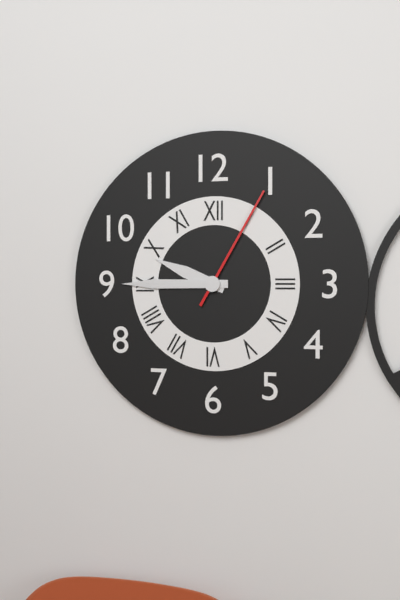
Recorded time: 9:45:05
